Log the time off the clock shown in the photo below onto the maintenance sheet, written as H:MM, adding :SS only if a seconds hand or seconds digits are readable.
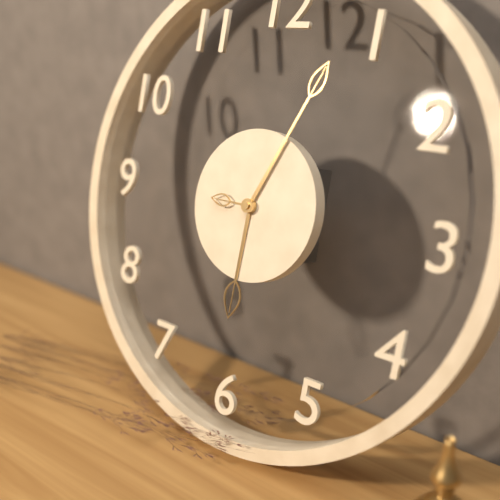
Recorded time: 6:04
